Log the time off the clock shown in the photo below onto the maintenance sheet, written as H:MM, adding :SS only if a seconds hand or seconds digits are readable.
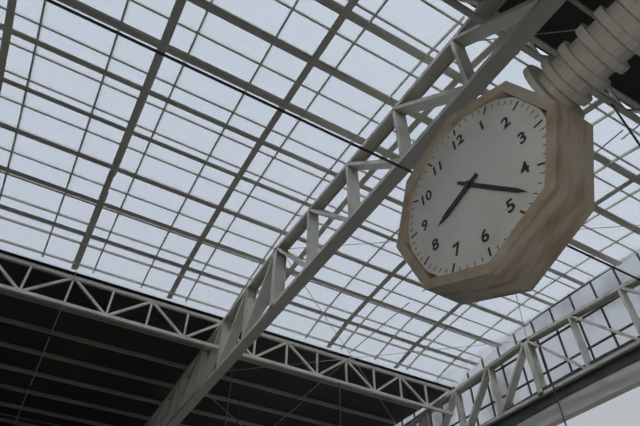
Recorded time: 8:23
